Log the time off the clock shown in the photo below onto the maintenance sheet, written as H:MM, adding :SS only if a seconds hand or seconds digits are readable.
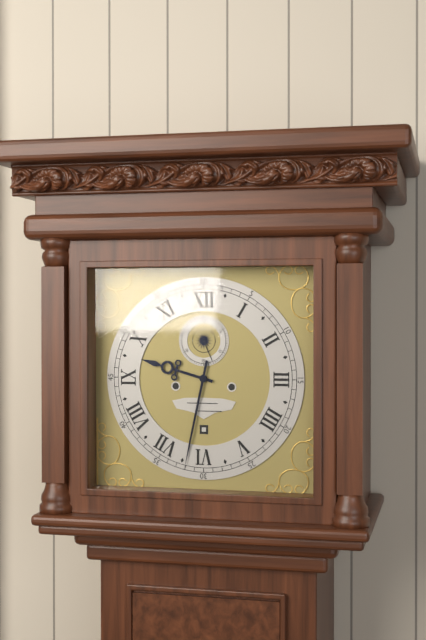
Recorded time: 9:32
